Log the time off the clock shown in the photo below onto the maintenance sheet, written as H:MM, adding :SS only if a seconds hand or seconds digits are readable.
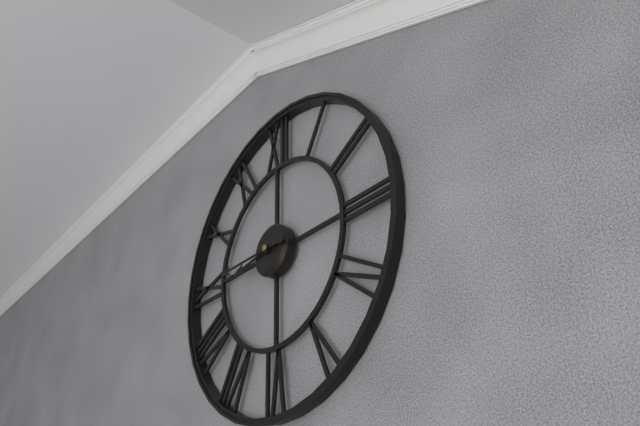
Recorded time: 8:45
